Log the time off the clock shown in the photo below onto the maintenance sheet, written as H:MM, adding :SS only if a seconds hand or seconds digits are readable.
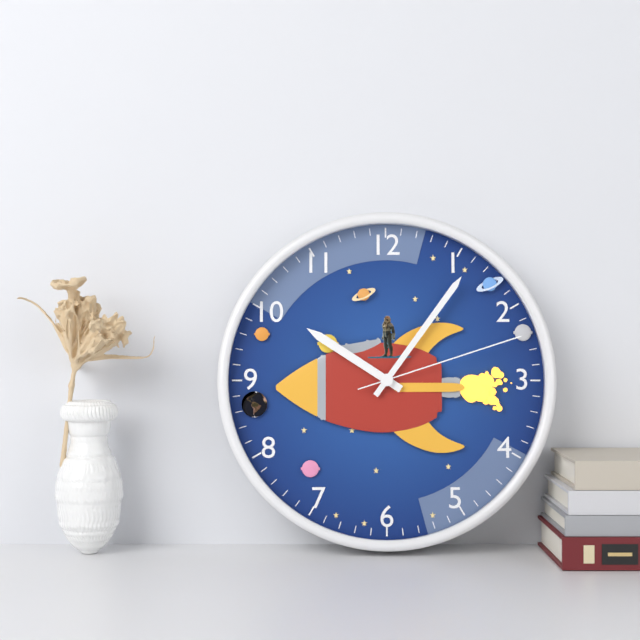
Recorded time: 10:06:12
